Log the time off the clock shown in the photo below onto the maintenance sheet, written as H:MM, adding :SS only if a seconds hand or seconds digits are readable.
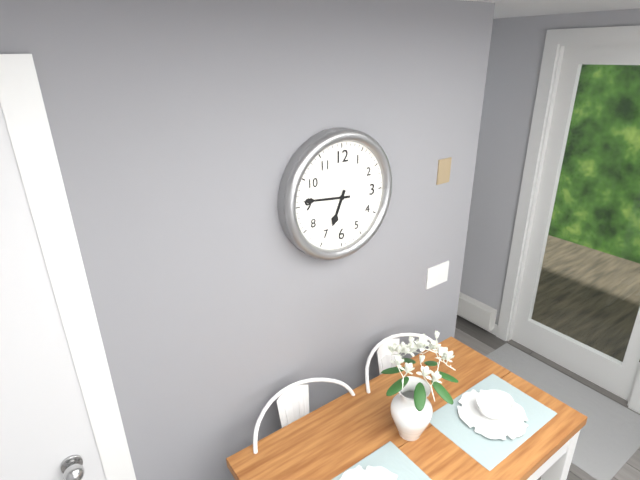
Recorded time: 6:46
